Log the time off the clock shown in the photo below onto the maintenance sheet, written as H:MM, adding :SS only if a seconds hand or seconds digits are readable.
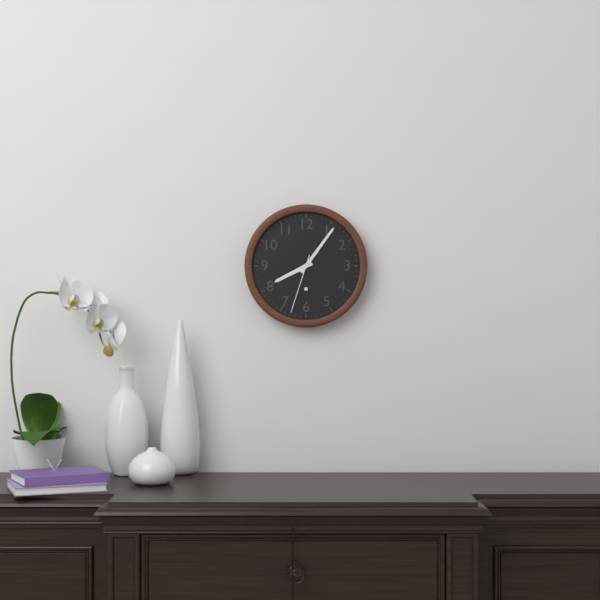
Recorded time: 8:06:33
